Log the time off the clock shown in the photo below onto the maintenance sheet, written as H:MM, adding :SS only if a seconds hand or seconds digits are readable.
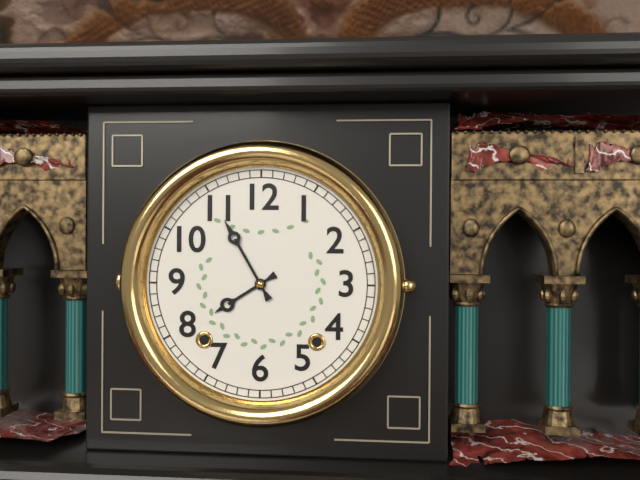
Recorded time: 7:55
